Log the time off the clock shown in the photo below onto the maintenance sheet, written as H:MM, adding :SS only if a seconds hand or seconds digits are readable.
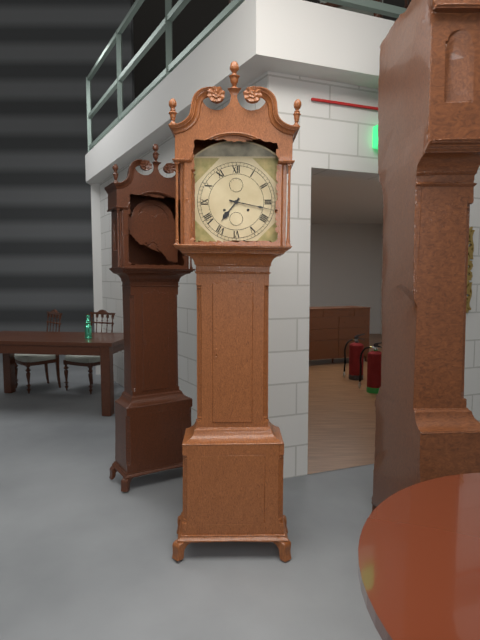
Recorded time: 7:17
